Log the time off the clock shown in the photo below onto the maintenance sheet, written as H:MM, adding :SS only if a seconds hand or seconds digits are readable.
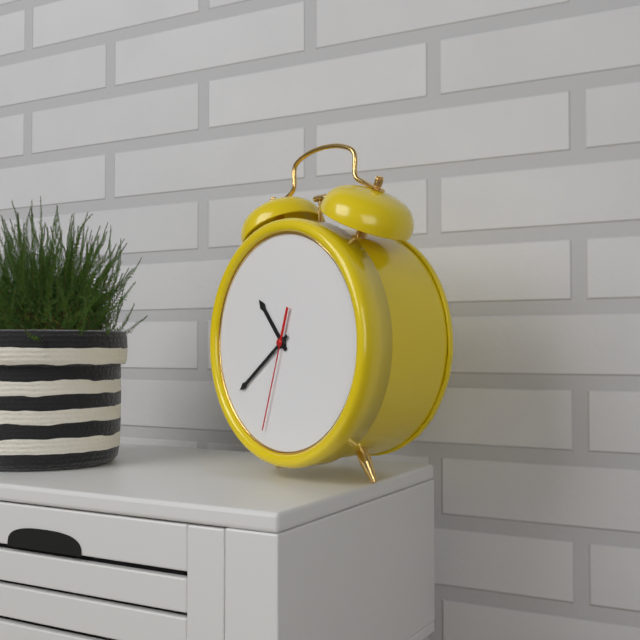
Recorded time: 10:39:33
